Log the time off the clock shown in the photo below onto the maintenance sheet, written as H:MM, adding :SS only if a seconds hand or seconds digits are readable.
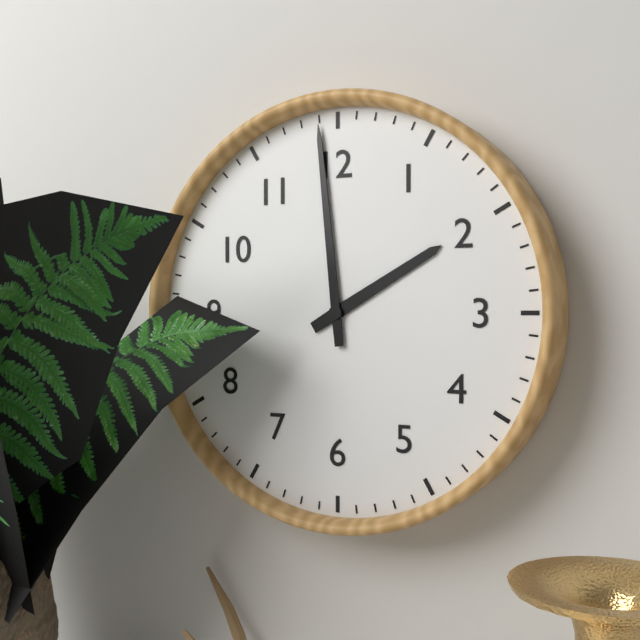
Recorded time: 1:59
